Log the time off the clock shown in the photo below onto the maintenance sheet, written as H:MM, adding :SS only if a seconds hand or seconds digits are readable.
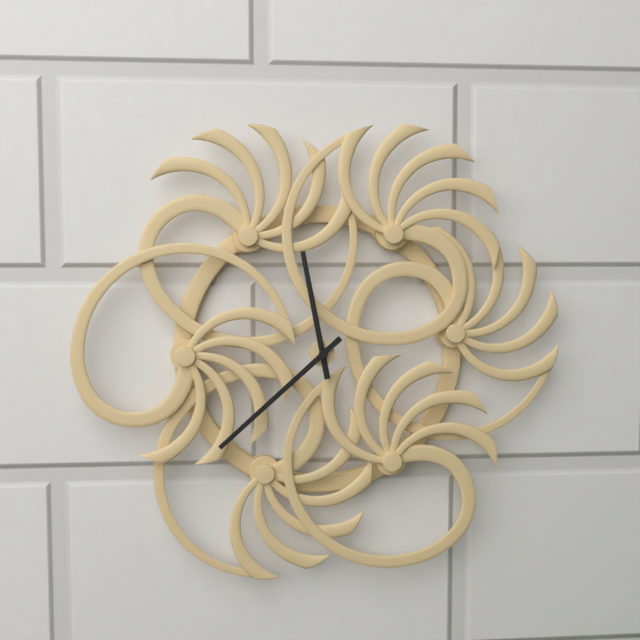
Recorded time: 11:38
